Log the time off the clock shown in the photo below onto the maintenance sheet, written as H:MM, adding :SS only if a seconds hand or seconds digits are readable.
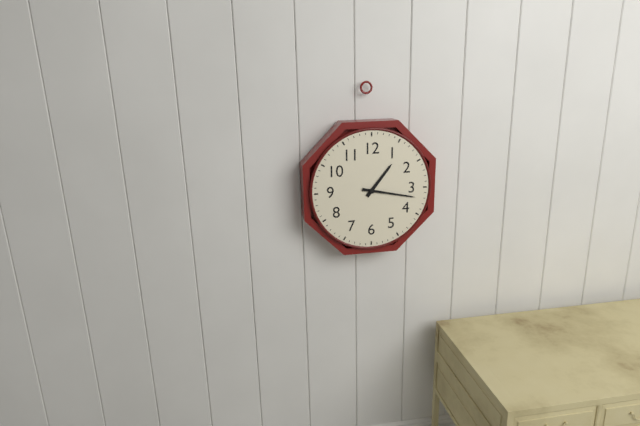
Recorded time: 1:17
